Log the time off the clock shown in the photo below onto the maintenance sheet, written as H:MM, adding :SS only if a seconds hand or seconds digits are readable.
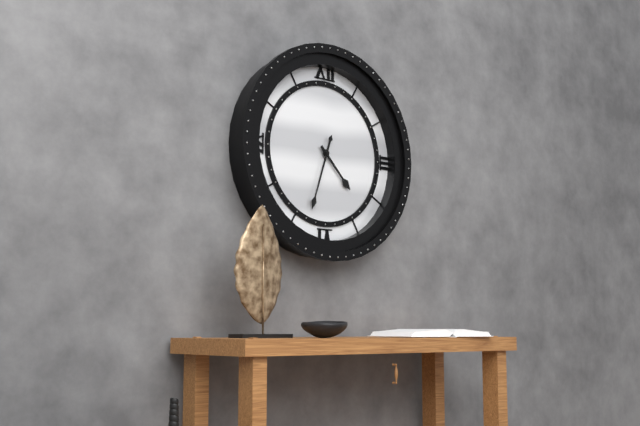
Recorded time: 4:33
